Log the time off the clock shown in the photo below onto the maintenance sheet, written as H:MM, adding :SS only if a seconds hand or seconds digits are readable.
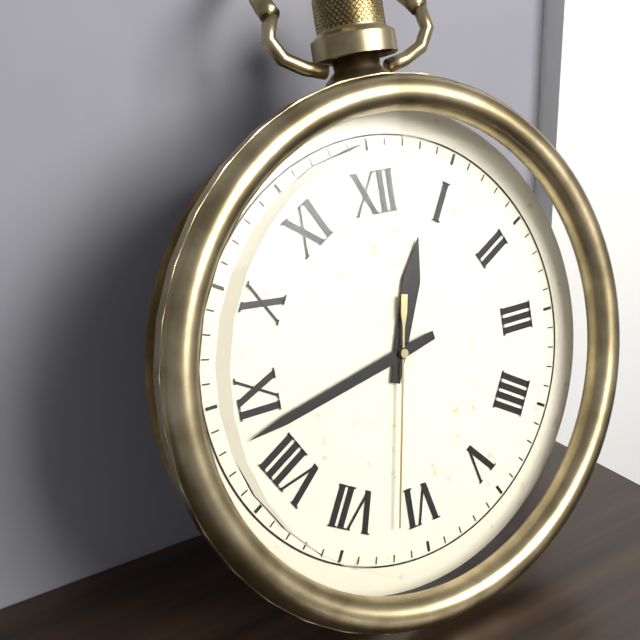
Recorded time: 12:43:32
